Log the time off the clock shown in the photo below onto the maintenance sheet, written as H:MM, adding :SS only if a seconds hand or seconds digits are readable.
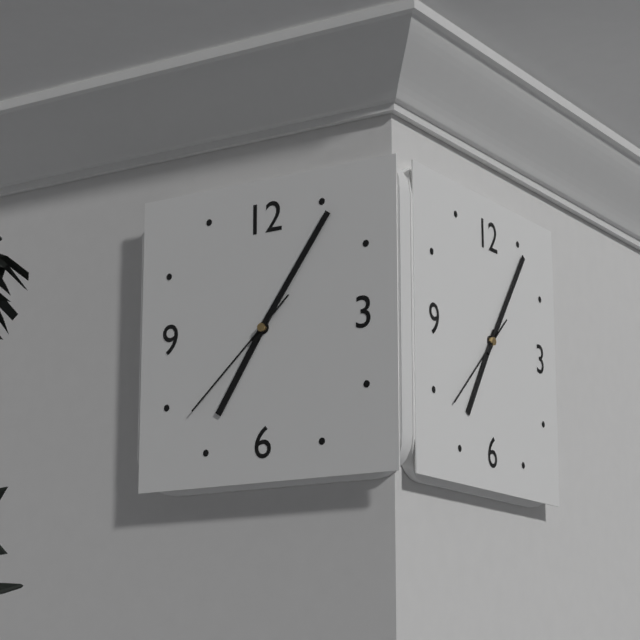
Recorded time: 7:06:38
